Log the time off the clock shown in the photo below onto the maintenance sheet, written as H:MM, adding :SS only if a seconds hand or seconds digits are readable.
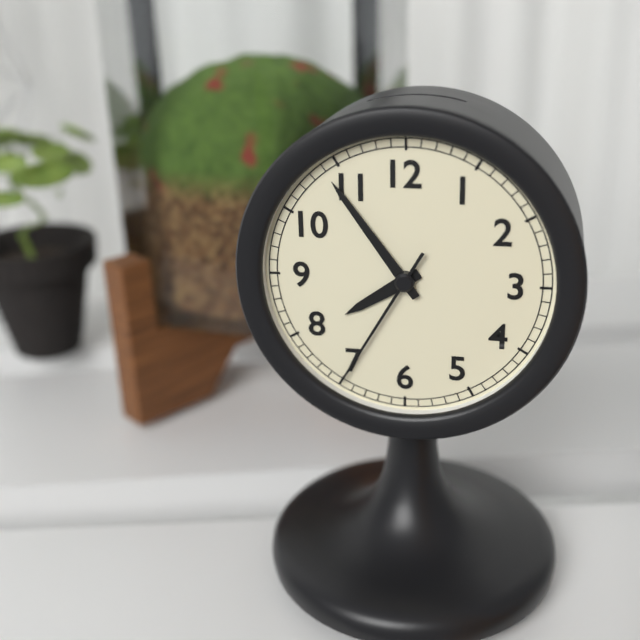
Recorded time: 7:54:35
